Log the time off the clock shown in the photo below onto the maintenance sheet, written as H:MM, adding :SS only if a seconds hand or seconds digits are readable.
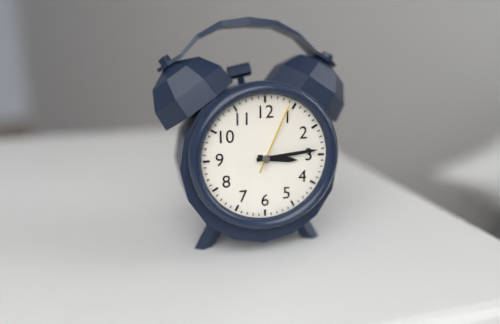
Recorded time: 3:14:04
